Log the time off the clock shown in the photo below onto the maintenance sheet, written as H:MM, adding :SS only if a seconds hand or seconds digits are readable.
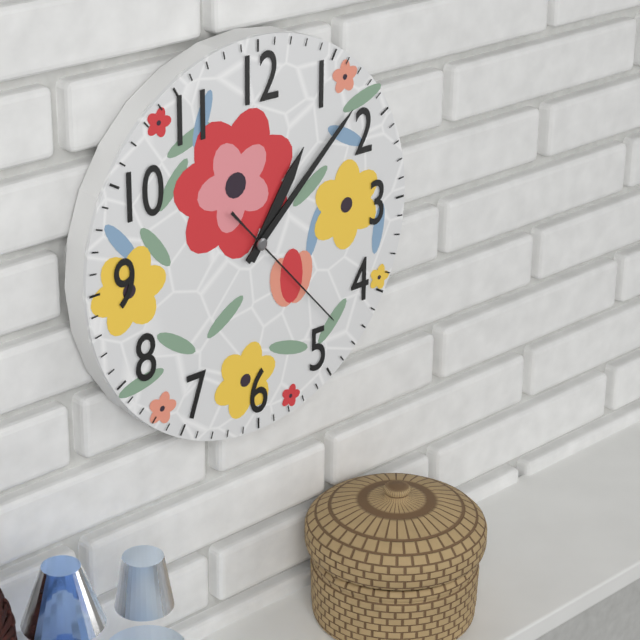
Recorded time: 1:08:23
